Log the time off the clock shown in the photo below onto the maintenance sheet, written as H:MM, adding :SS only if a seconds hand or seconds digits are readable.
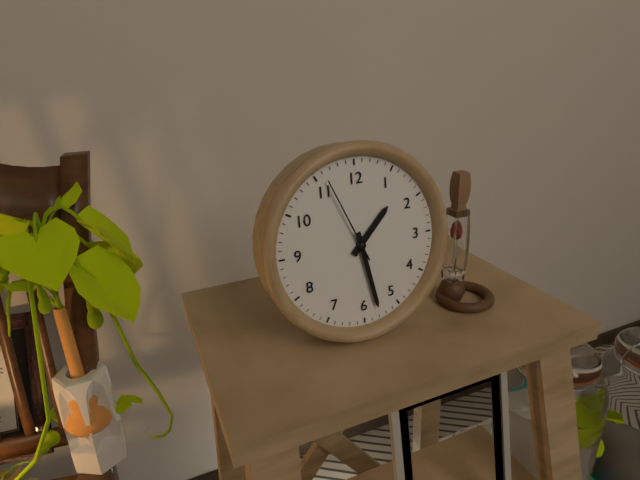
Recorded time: 1:28:56
